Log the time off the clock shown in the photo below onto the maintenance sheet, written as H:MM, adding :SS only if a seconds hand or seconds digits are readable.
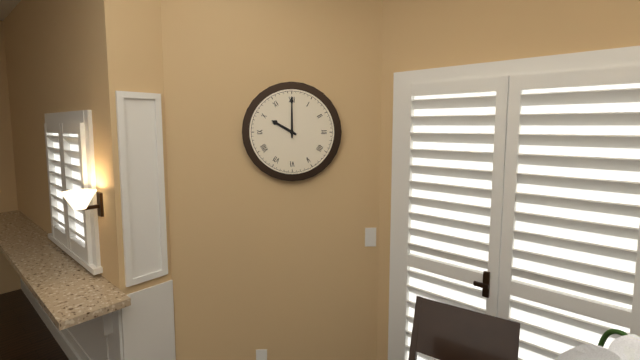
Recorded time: 10:00
